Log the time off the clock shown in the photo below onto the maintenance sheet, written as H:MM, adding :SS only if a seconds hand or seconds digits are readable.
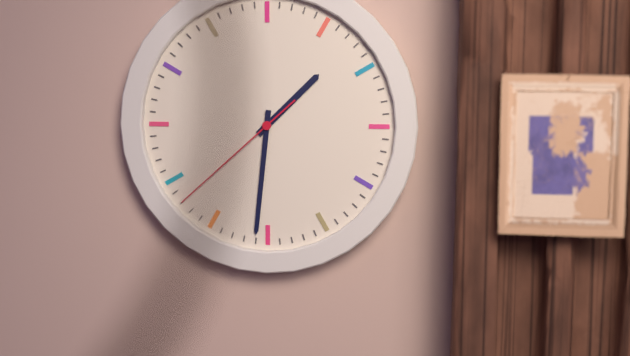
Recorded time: 1:31:38
